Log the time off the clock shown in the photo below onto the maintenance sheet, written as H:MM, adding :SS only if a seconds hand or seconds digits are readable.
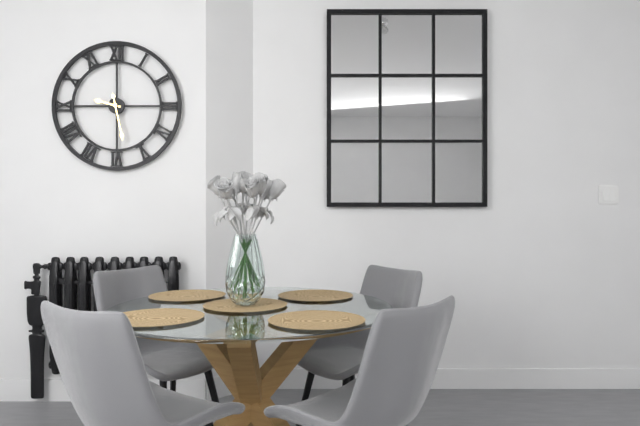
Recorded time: 9:28
